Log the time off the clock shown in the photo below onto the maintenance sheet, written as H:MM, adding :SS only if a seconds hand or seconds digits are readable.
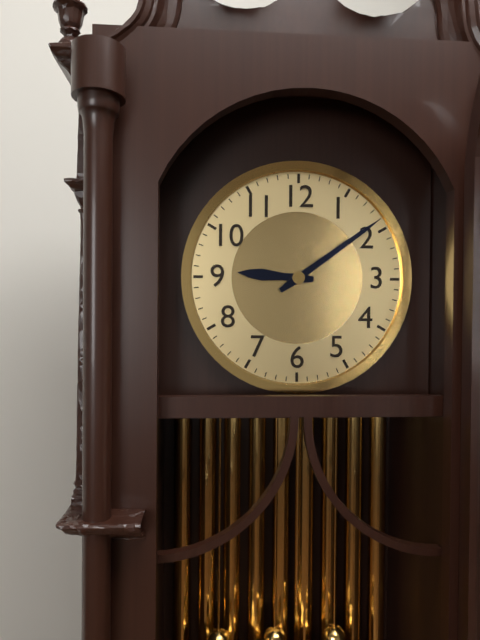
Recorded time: 9:09
